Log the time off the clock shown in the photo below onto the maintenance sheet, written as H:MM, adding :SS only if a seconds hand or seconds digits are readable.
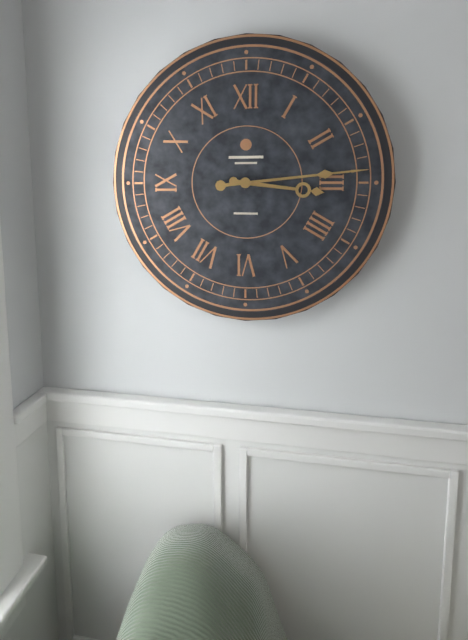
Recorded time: 3:14
